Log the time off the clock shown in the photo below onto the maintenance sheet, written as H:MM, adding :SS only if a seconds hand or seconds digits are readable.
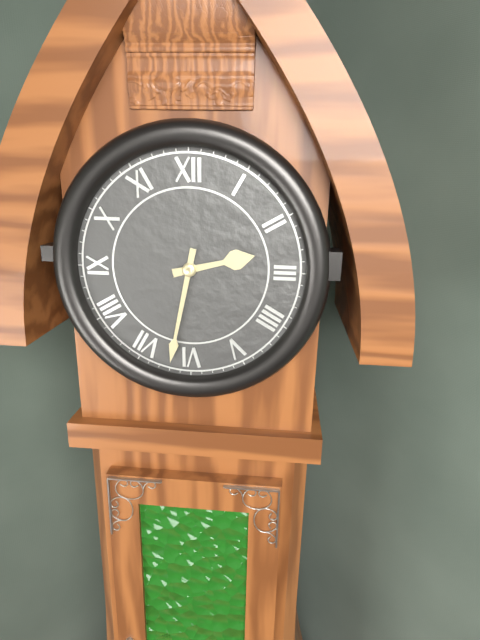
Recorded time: 2:32
